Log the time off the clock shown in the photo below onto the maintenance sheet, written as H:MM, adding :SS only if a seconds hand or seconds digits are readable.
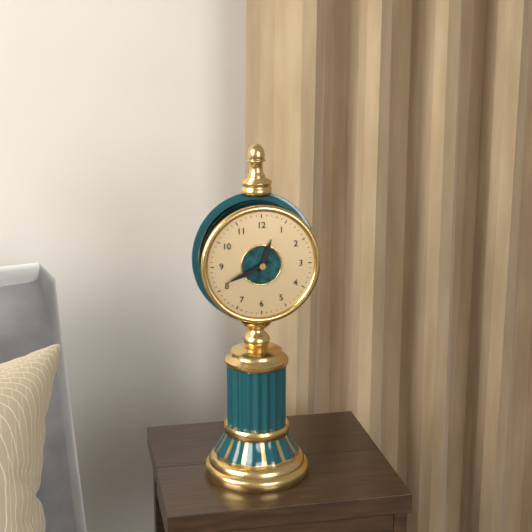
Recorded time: 12:41
